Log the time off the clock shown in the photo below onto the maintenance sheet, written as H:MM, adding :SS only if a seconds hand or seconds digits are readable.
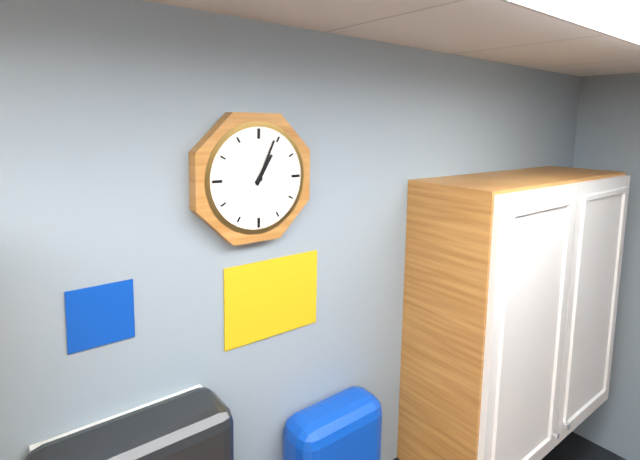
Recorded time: 1:04
